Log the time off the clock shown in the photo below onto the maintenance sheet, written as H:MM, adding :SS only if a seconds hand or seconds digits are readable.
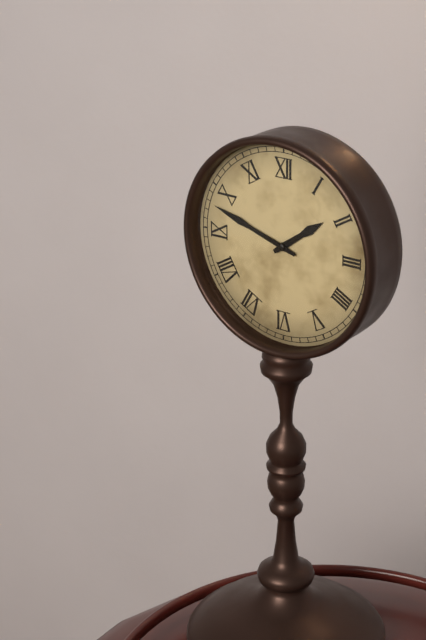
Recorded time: 1:48
